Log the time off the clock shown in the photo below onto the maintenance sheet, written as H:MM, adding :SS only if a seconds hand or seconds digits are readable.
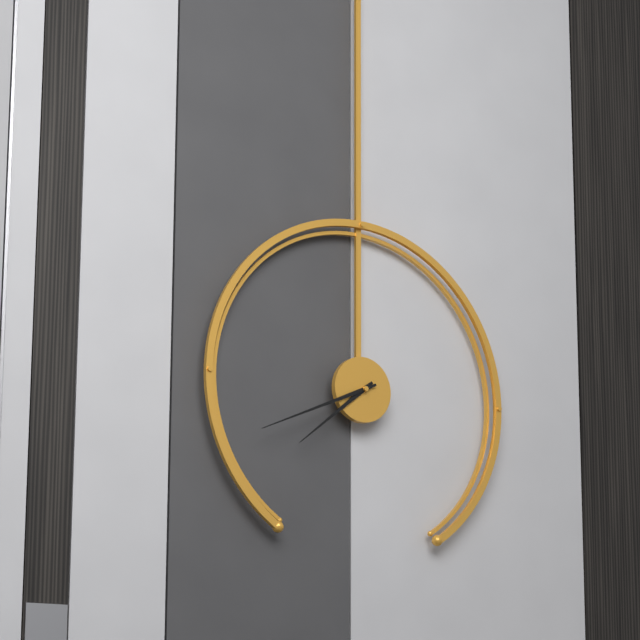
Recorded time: 7:41
